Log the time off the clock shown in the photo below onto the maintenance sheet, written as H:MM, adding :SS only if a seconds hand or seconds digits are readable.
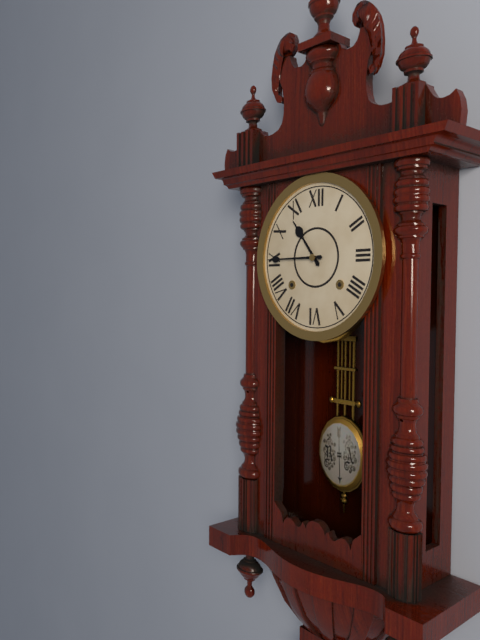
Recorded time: 10:45
